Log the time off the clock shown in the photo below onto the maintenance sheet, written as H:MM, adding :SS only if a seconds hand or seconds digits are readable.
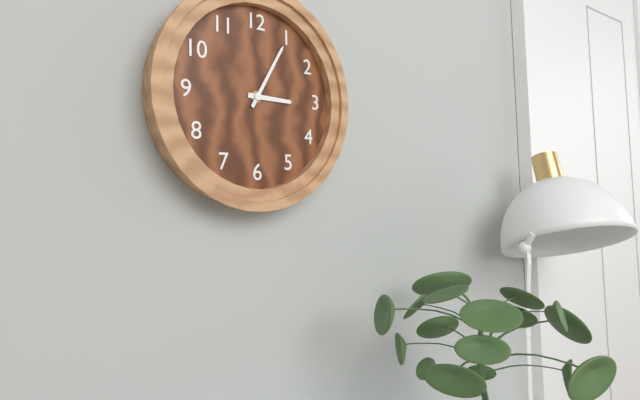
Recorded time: 3:05
